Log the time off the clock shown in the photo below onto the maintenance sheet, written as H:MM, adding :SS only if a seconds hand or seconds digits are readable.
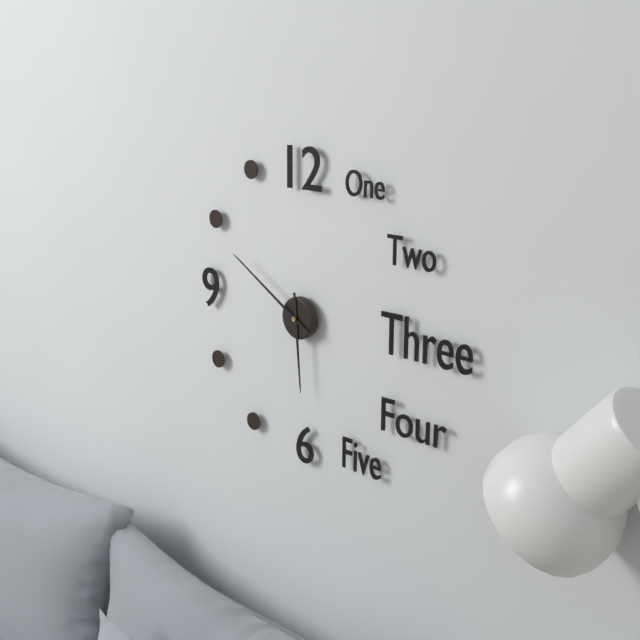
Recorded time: 5:50
